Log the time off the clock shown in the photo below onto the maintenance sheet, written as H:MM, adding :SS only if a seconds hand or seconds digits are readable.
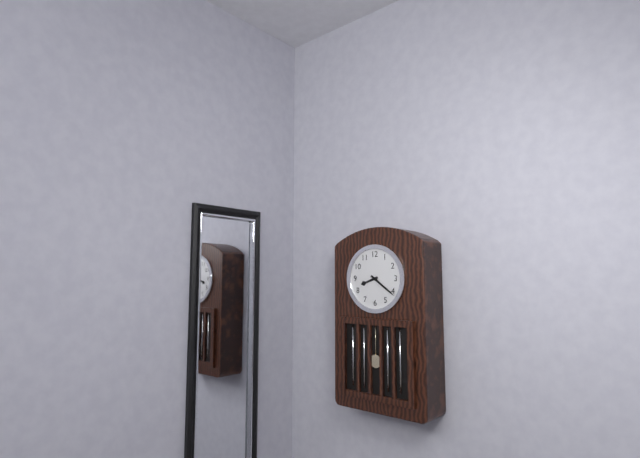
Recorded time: 8:21
